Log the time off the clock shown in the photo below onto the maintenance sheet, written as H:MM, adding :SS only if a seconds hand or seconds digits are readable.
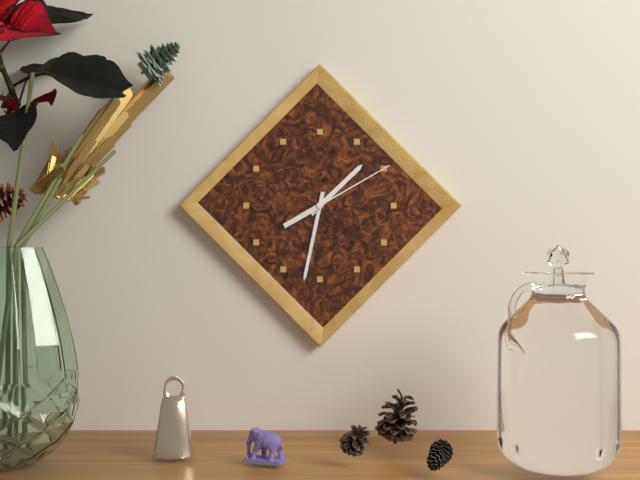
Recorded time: 1:32:10
